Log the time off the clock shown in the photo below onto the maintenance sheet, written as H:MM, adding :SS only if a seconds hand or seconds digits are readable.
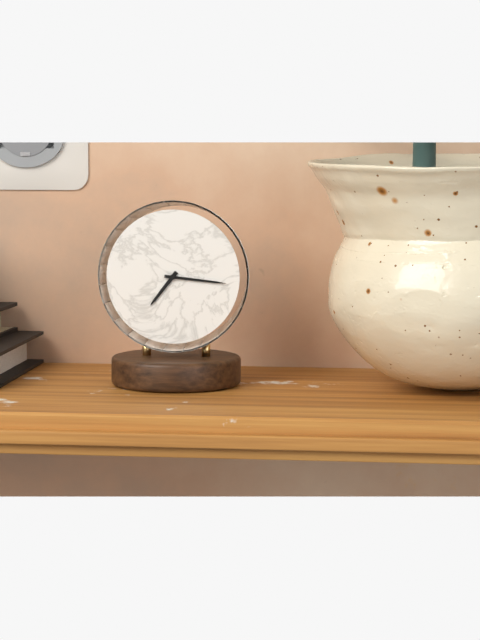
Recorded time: 7:16
